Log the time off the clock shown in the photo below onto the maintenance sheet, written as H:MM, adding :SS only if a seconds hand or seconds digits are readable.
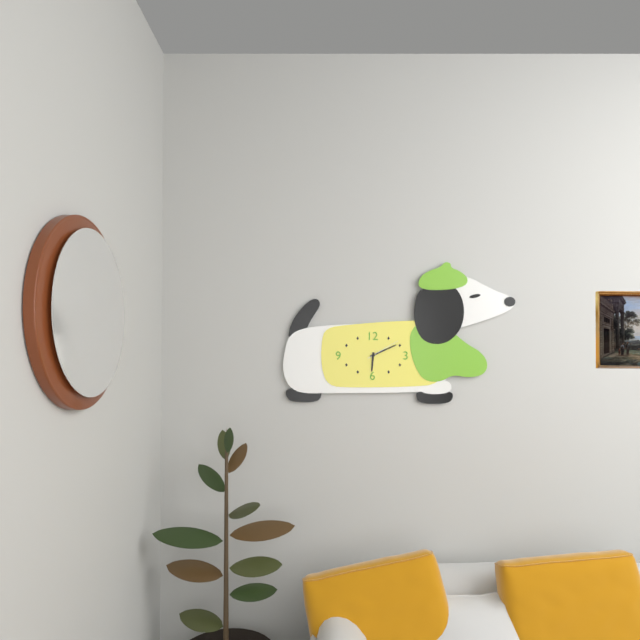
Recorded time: 6:11
